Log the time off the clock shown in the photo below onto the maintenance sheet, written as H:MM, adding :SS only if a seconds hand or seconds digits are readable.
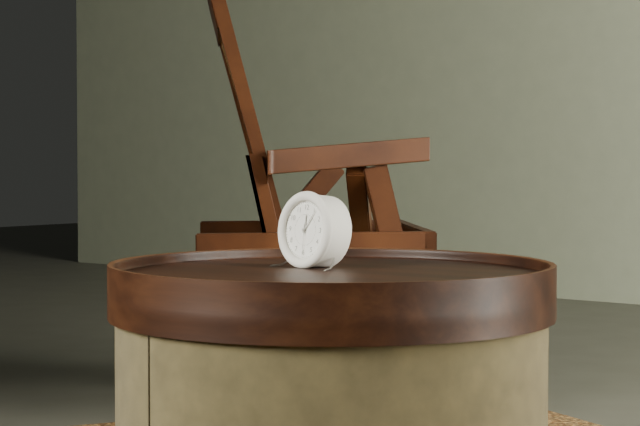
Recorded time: 12:06
